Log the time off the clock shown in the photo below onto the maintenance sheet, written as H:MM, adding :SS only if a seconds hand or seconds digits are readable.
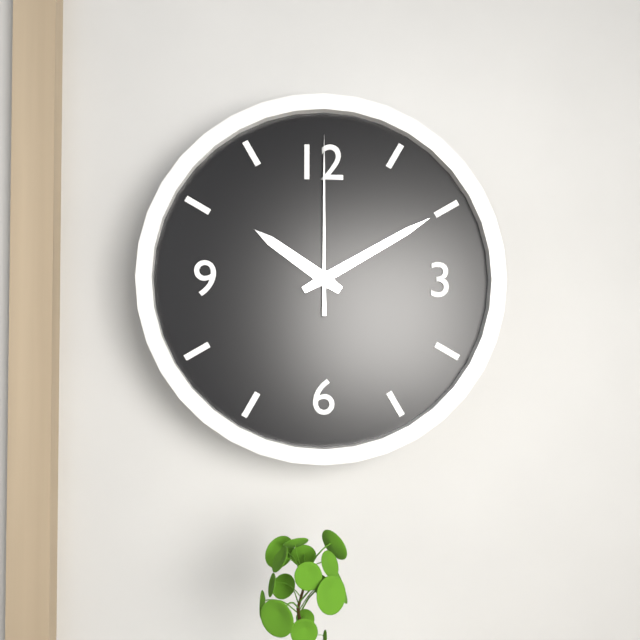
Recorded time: 10:10:00
